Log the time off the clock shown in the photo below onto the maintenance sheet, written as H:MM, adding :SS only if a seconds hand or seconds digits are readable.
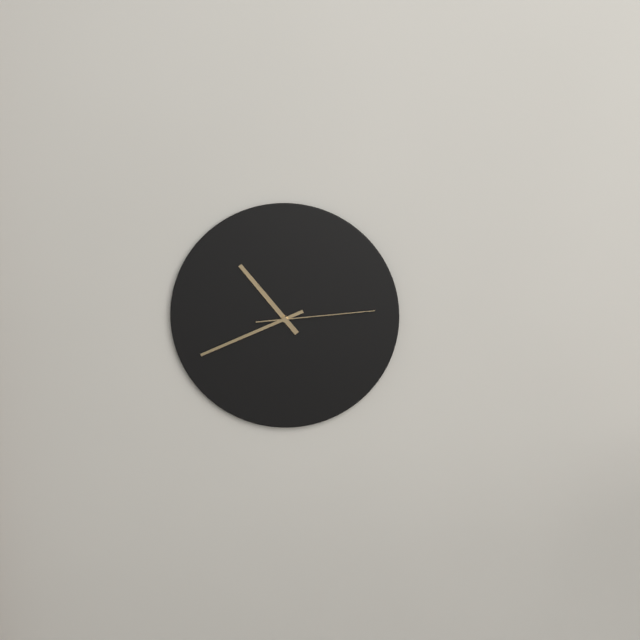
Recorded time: 10:41:14
